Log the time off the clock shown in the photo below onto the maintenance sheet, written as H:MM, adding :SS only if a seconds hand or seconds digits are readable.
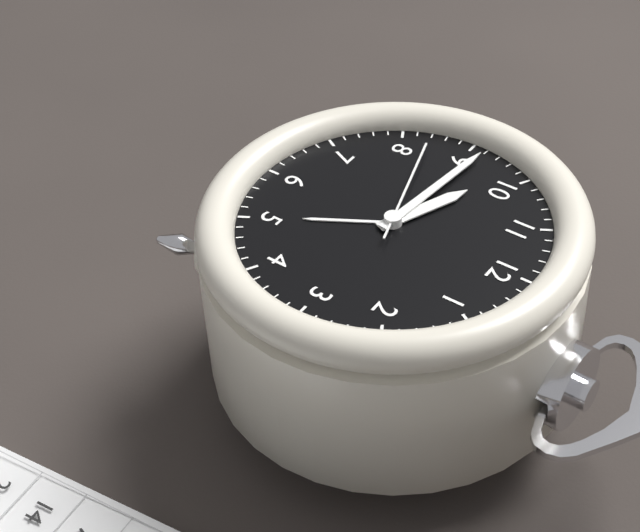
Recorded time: 9:46:42
